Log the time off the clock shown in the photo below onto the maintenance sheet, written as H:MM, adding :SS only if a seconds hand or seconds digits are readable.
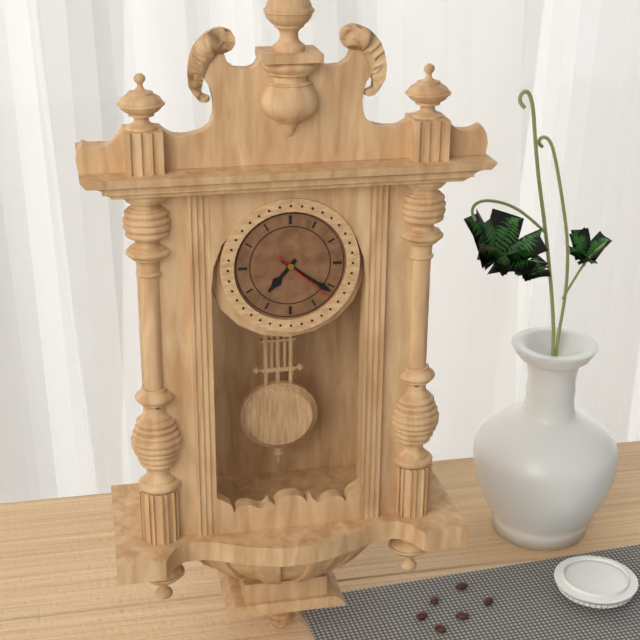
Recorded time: 7:21:22
